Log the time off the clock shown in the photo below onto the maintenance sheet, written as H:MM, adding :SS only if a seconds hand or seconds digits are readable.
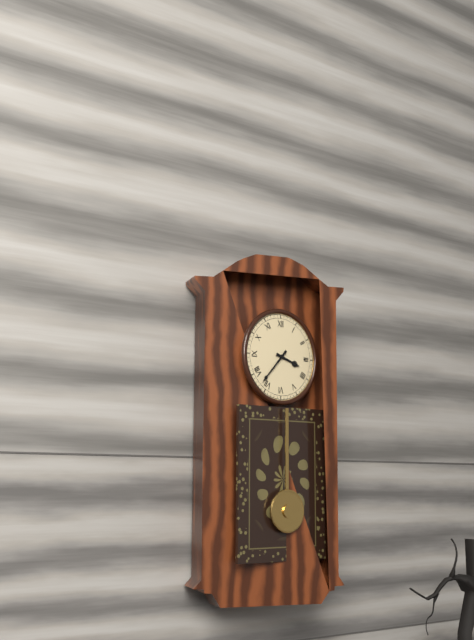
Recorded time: 3:37
